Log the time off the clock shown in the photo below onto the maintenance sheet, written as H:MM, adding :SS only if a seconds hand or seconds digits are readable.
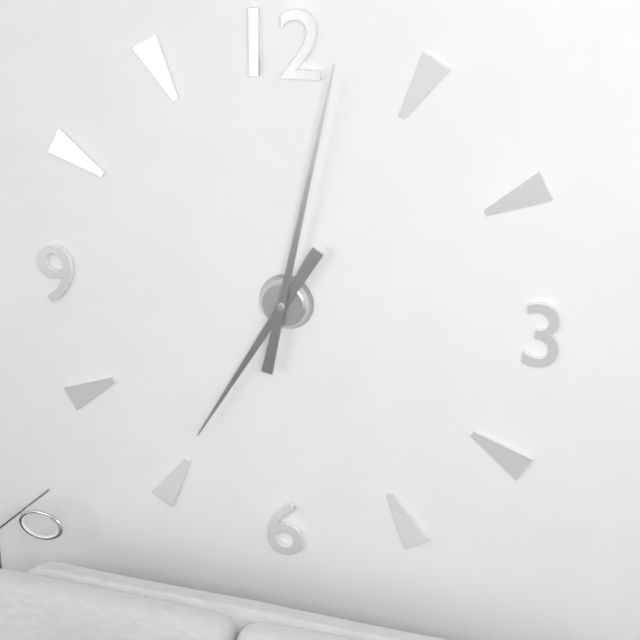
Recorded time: 7:02
